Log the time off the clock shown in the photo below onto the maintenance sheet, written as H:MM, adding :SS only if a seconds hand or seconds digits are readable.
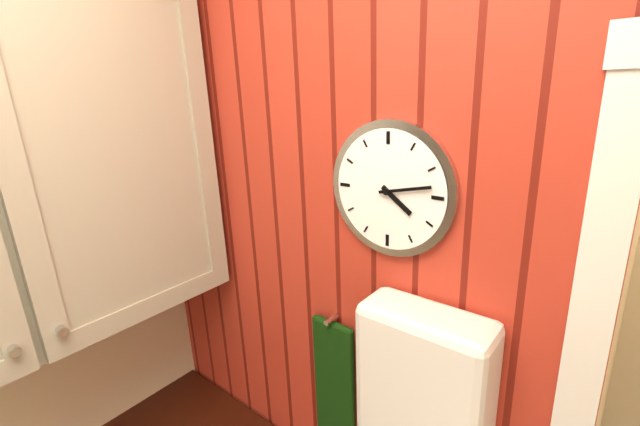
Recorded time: 4:13
